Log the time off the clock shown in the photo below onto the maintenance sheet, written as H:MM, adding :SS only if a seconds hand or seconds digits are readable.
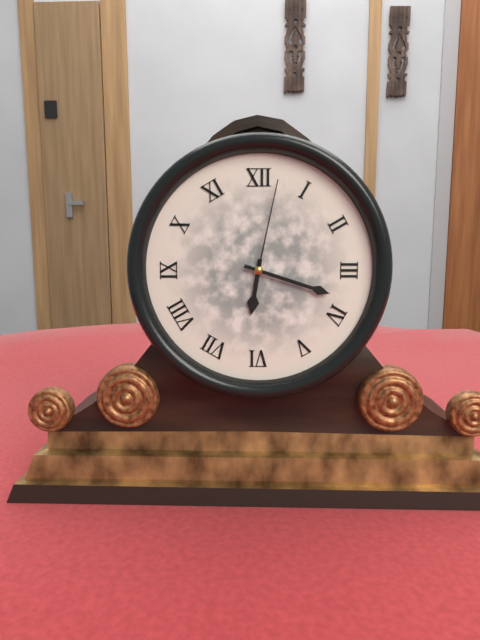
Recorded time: 6:18:02
